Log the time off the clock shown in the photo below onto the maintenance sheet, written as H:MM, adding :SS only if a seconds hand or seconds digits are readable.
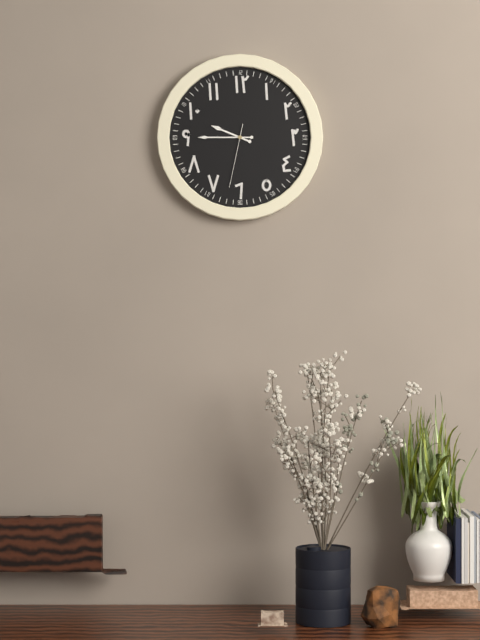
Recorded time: 9:45:32
